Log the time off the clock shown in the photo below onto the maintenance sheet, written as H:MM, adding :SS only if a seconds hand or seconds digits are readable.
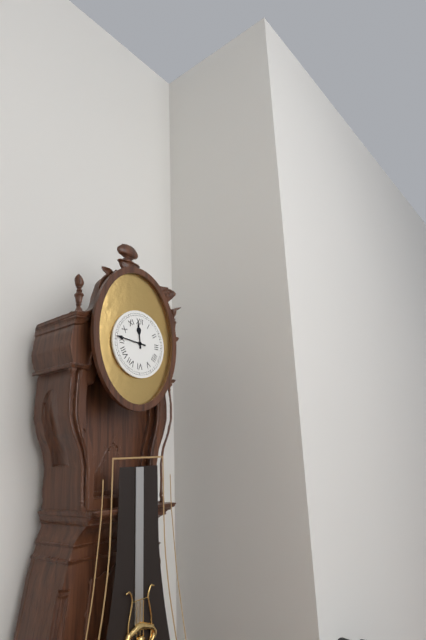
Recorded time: 11:46
